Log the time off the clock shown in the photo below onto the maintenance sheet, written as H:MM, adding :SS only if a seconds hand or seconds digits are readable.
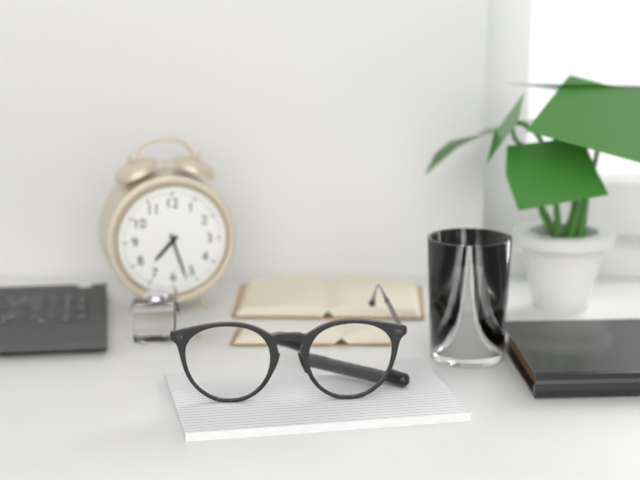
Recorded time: 7:27
